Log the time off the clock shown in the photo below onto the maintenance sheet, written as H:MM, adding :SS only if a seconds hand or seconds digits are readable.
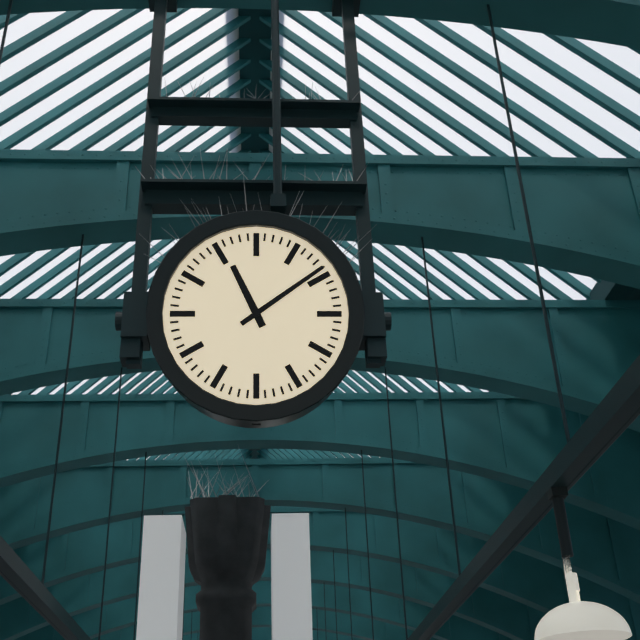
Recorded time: 11:09
